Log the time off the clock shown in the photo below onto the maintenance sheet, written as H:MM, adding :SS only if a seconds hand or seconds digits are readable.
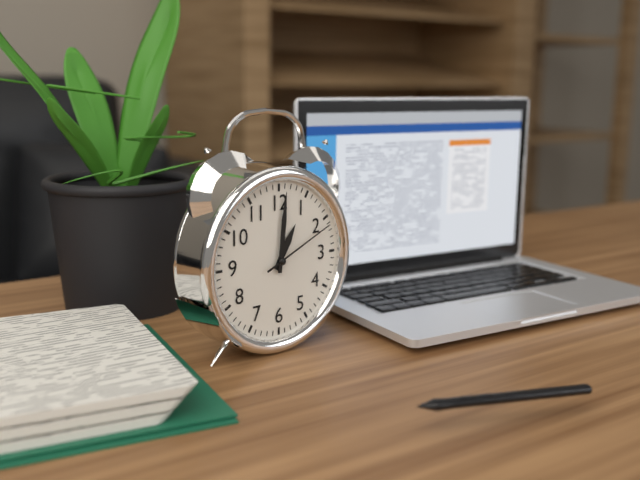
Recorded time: 1:01:11
